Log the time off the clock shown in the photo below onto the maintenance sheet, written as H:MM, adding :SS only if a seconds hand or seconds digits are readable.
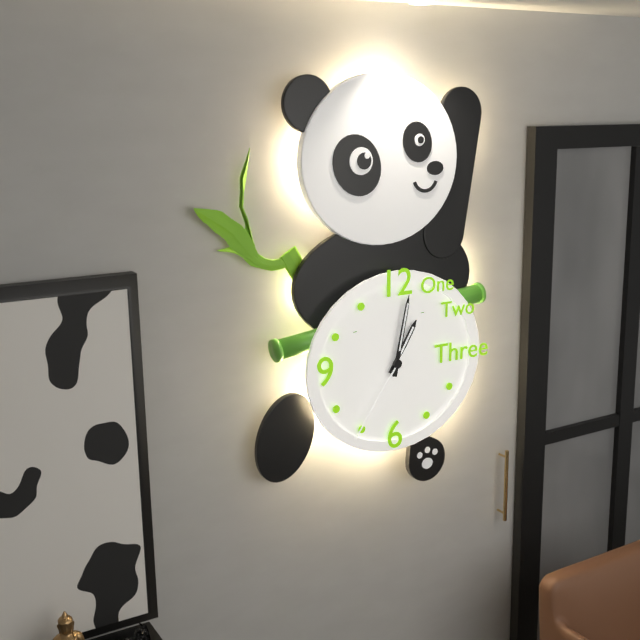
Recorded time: 1:02:36
